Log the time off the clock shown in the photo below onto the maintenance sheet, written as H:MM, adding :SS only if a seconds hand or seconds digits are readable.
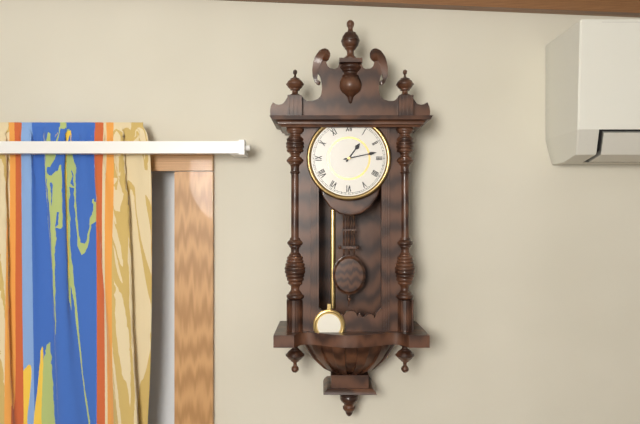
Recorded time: 1:13
